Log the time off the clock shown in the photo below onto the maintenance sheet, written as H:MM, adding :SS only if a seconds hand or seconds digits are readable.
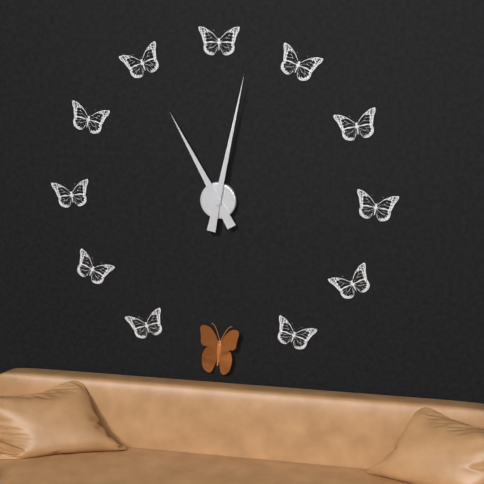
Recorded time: 11:02
